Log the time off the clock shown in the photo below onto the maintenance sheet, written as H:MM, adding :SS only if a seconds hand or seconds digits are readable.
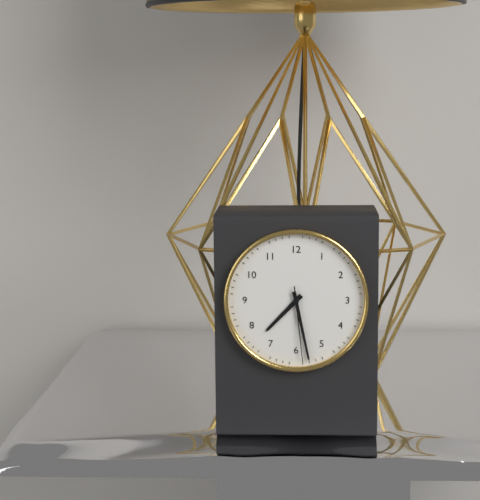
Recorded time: 7:28:29
